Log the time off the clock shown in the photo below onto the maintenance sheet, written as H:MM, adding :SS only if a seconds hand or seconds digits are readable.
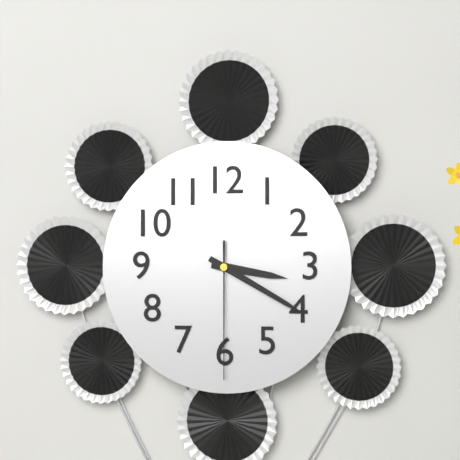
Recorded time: 3:20:30
